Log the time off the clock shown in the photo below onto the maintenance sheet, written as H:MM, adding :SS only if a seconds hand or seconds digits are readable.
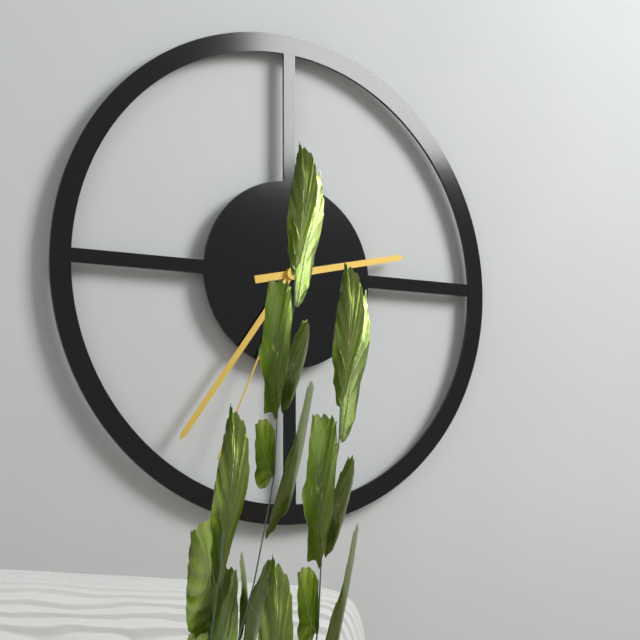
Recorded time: 2:36:34
